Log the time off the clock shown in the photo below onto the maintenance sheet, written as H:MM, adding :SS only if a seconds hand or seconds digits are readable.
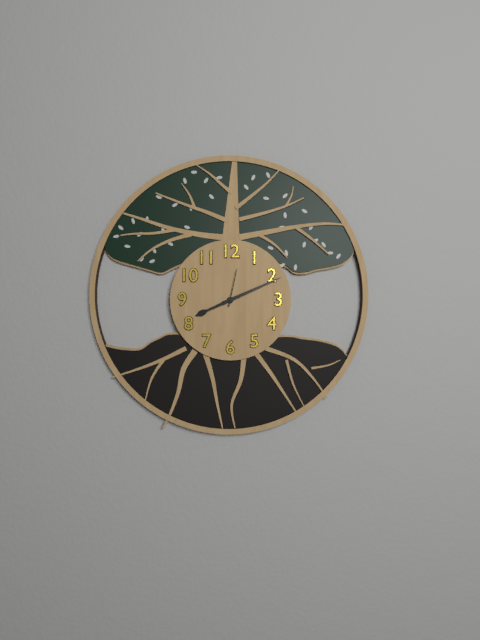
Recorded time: 8:11
